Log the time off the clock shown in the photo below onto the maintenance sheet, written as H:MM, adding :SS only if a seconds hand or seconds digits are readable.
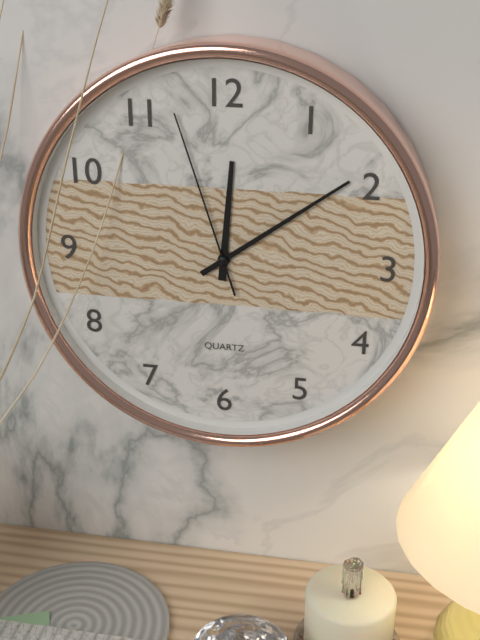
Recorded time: 12:09:57
